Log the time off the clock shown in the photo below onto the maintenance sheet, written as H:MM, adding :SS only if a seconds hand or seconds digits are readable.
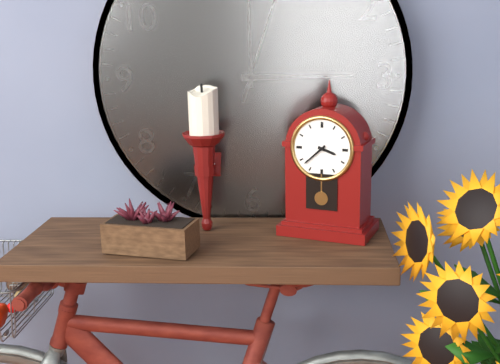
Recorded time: 3:38
